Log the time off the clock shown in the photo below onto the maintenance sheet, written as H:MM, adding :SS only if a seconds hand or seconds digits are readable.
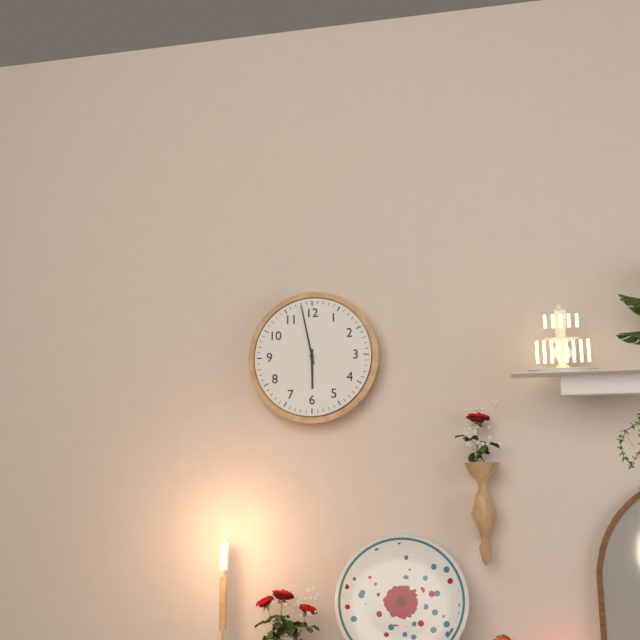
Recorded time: 5:58
